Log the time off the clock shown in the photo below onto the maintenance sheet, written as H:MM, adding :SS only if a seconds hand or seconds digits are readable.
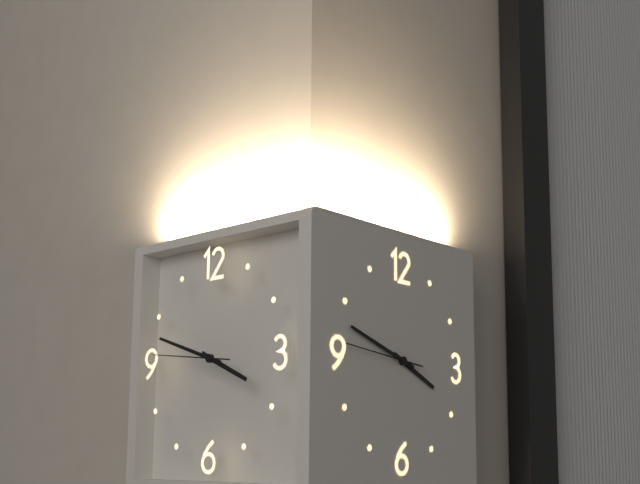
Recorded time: 3:48:46
